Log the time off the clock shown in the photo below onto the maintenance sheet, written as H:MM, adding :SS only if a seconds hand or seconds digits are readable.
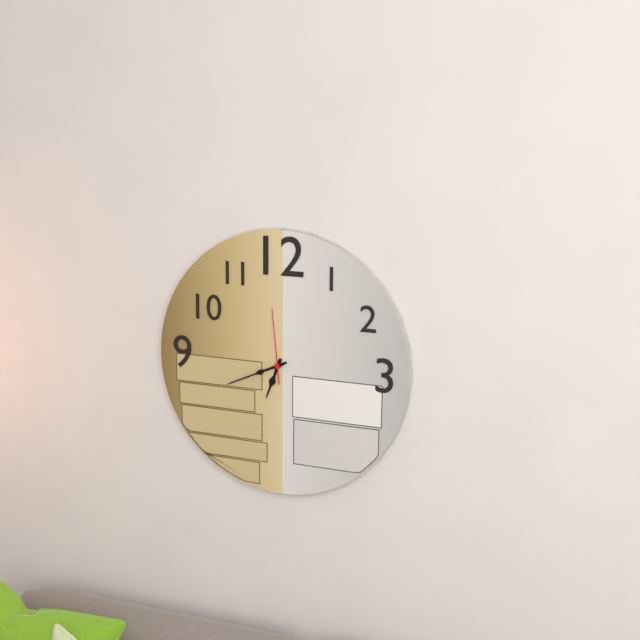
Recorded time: 6:41:59
